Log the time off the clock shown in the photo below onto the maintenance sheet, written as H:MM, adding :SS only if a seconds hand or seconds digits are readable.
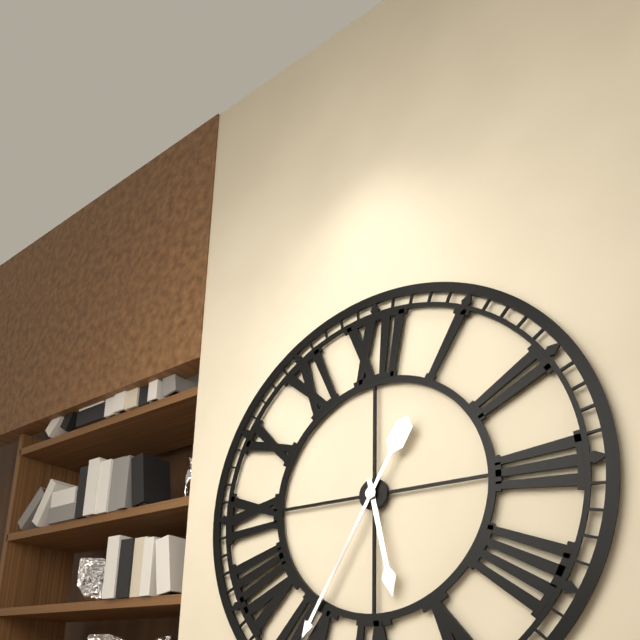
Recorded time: 5:35
